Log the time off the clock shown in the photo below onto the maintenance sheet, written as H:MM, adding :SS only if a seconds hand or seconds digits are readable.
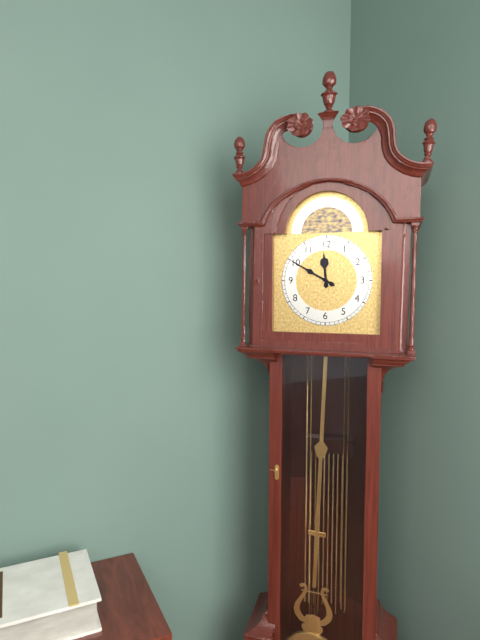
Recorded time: 11:50
